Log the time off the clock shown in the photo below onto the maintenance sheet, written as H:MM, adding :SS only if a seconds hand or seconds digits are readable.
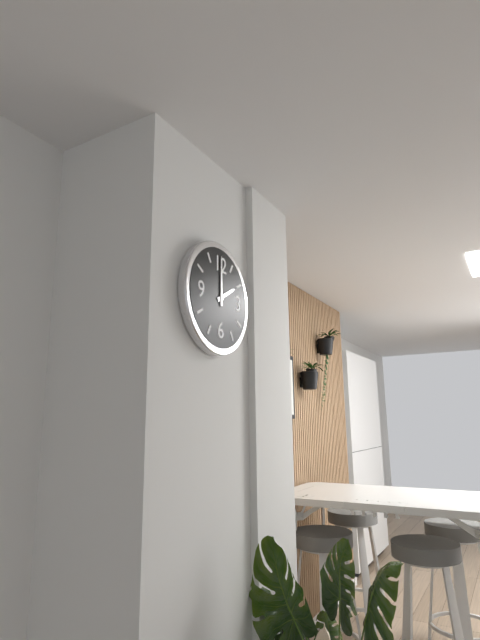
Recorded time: 2:00
